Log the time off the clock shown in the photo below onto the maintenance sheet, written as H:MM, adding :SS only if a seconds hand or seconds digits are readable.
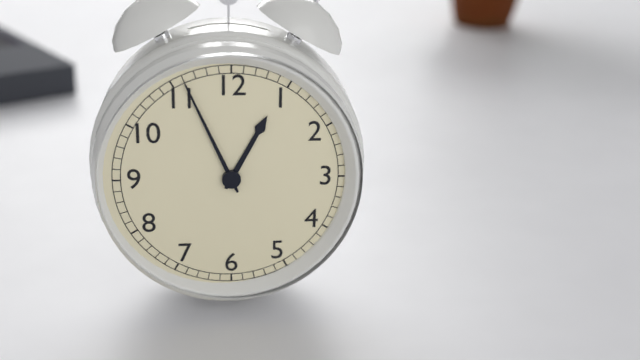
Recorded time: 12:56
